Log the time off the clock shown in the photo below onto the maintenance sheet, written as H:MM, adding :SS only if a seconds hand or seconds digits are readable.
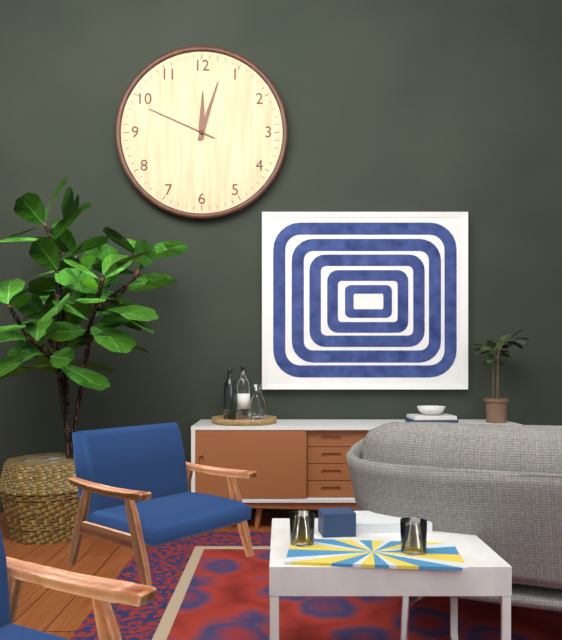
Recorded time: 12:03:49
